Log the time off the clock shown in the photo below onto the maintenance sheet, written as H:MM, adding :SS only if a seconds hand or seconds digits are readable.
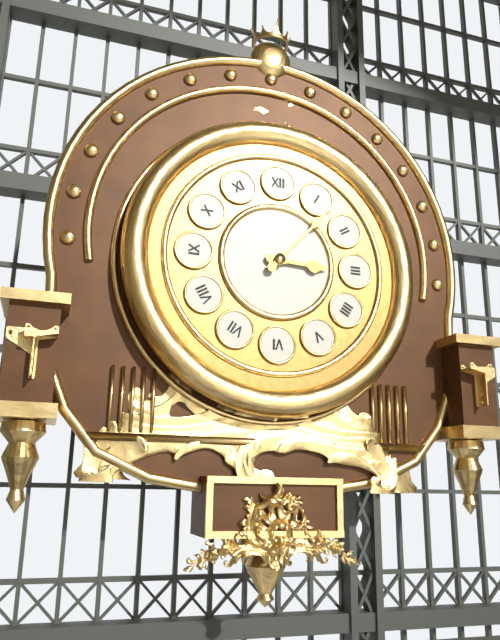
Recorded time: 3:07
